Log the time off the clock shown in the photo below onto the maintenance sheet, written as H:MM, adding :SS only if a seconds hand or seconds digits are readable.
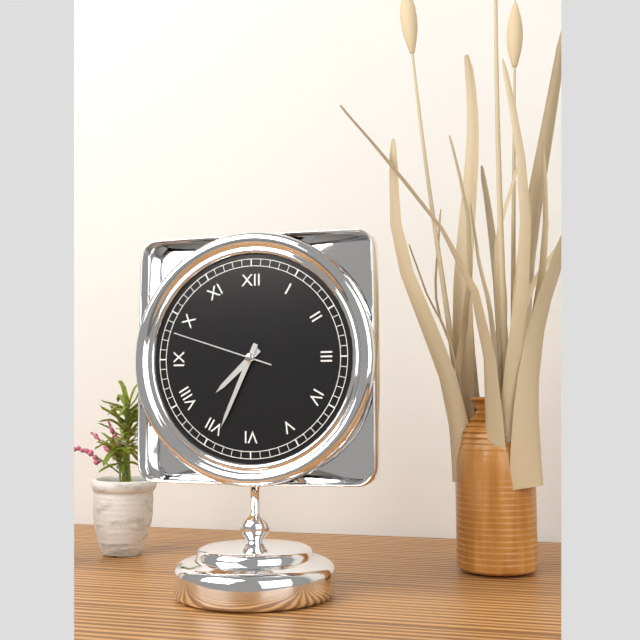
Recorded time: 7:34:48
